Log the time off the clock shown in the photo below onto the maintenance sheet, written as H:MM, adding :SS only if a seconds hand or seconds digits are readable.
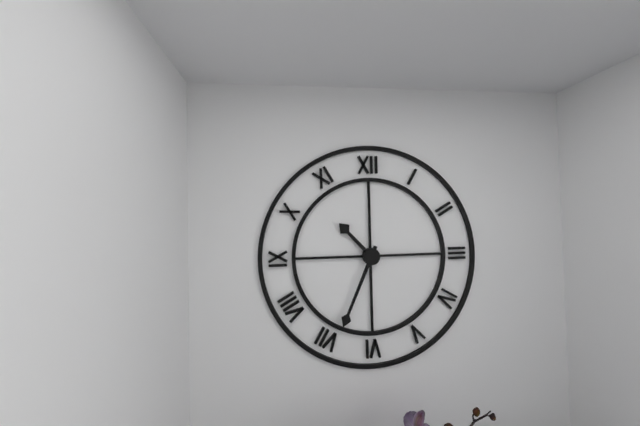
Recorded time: 10:34
